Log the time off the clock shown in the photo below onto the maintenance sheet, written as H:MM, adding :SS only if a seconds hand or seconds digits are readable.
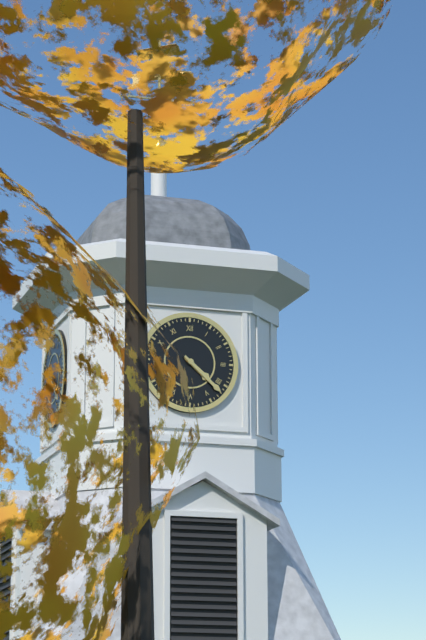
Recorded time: 4:22
